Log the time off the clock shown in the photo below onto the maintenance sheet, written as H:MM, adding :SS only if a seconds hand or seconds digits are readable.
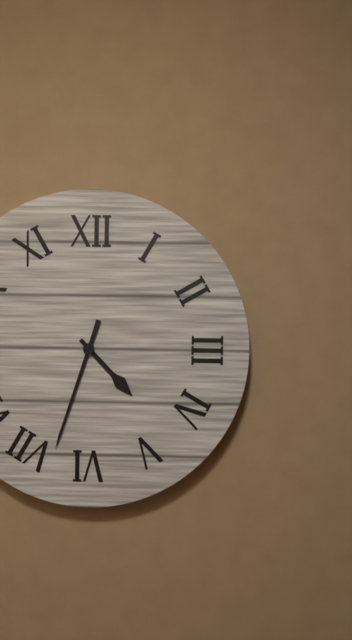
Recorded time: 4:33
